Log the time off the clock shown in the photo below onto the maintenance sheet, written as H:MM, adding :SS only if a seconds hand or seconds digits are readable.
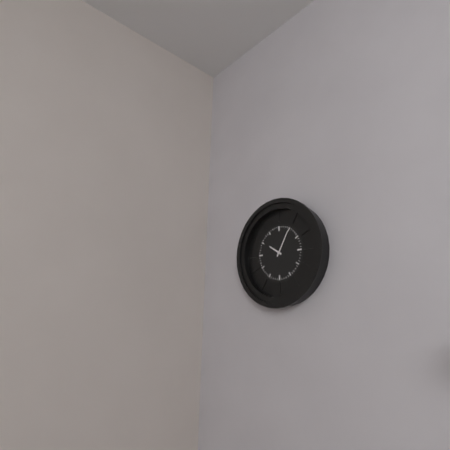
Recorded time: 10:05
